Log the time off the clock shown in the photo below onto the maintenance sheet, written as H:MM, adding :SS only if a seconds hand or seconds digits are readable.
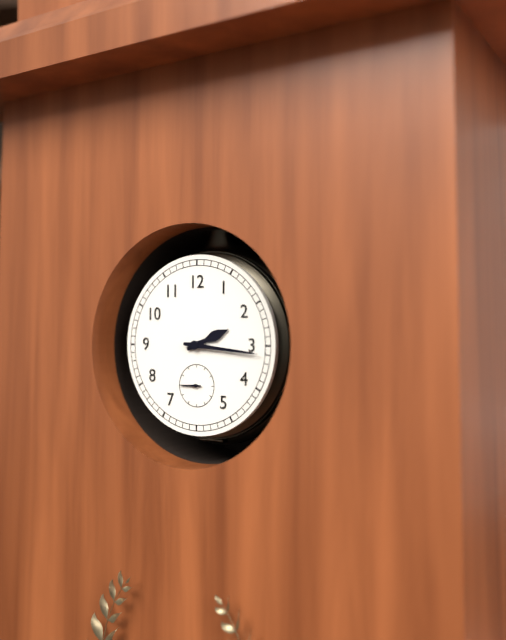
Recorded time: 2:16
